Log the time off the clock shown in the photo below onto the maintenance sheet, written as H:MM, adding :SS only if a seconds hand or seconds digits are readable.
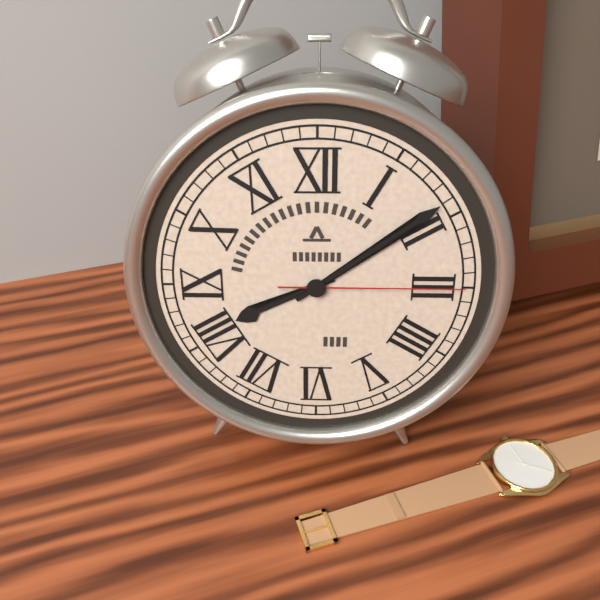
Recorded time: 8:09:15
